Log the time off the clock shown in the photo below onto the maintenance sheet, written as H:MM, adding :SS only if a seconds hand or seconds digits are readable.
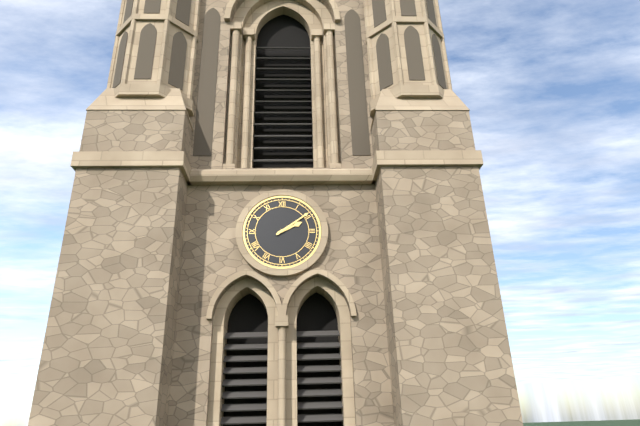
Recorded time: 2:09
